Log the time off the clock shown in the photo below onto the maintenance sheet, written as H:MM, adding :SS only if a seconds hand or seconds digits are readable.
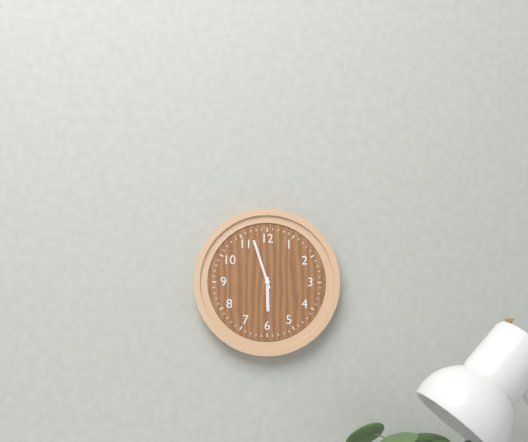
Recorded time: 5:57
